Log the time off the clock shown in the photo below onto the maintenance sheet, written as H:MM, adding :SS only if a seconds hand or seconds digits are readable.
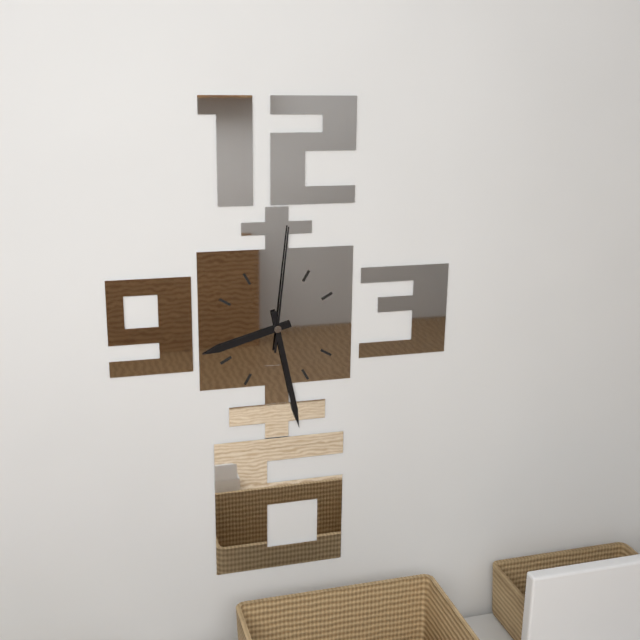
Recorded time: 8:28:01
